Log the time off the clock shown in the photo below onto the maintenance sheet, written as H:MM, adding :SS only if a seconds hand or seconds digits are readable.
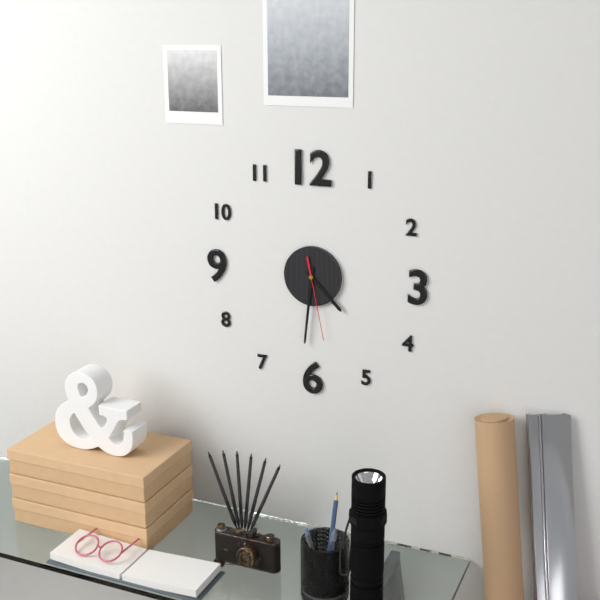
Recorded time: 4:31:28
